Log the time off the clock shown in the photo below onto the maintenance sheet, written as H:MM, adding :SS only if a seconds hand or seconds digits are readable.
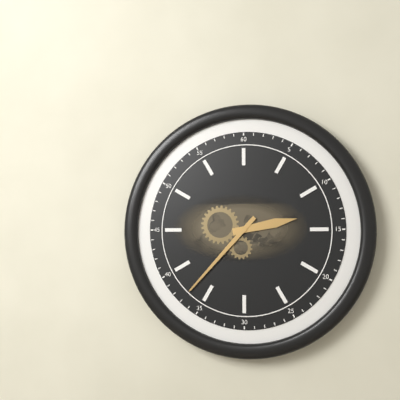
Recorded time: 2:37
